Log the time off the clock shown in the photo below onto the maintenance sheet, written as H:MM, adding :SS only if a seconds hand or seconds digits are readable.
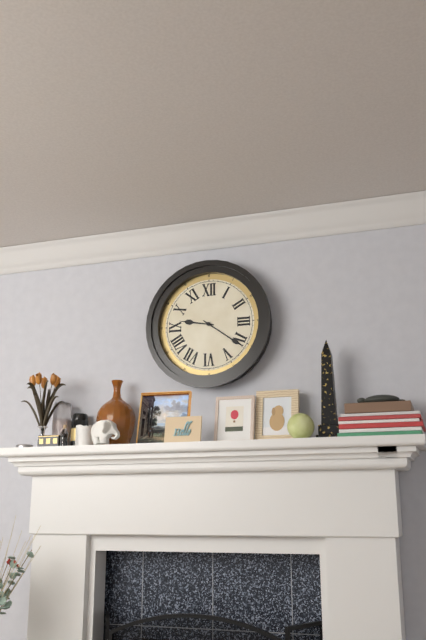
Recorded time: 9:21
